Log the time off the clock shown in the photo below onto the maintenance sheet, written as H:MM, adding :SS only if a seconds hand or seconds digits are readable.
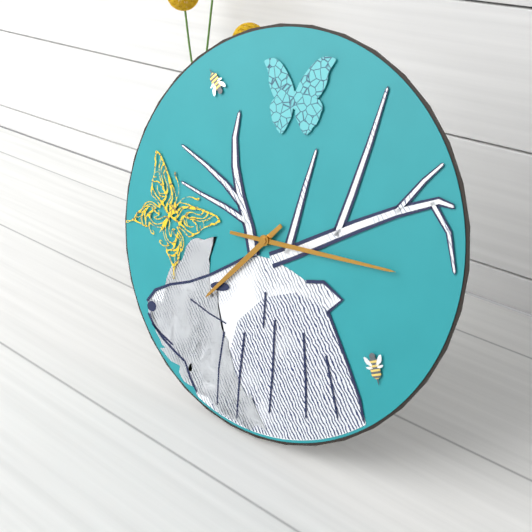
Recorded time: 7:14
